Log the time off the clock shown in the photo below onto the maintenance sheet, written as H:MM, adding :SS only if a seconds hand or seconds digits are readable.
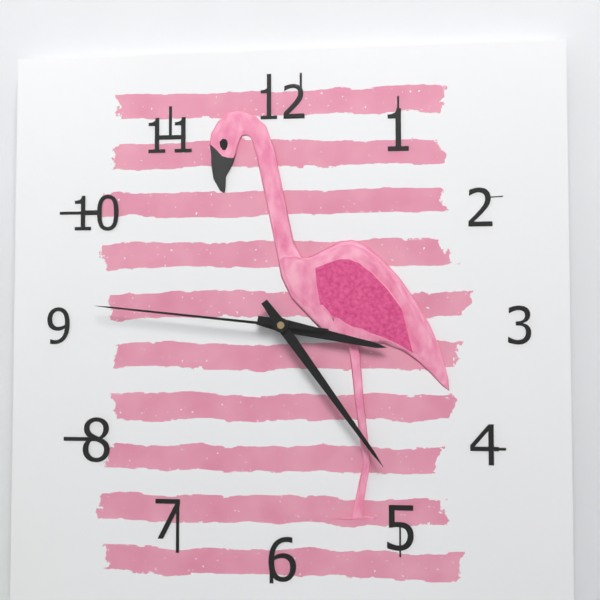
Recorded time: 3:24:46
